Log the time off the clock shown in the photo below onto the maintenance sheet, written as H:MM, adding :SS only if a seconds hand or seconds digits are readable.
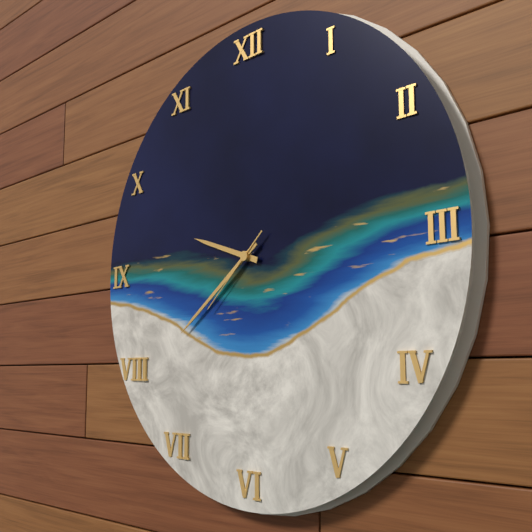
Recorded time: 9:39:38
